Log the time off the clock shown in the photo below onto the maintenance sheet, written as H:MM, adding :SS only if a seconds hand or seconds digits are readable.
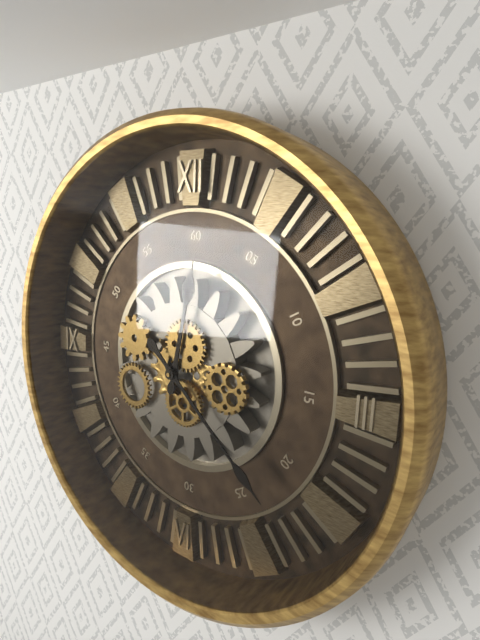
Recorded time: 12:22
